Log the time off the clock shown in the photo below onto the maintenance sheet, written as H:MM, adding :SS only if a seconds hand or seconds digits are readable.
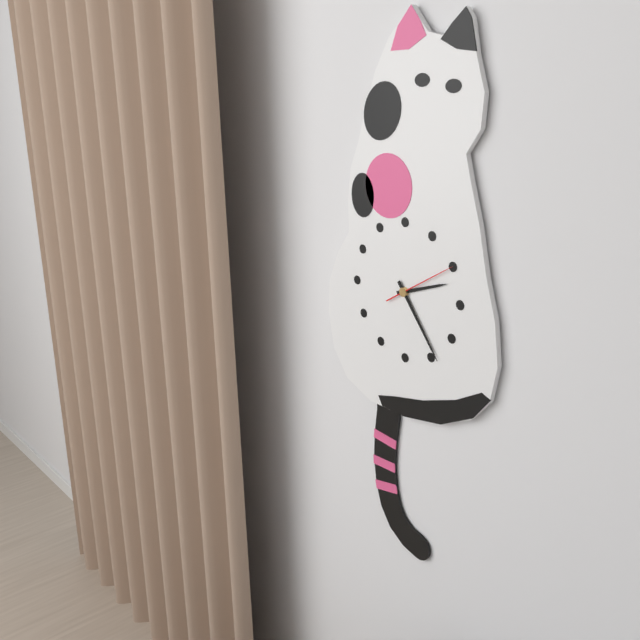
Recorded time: 2:24:10
